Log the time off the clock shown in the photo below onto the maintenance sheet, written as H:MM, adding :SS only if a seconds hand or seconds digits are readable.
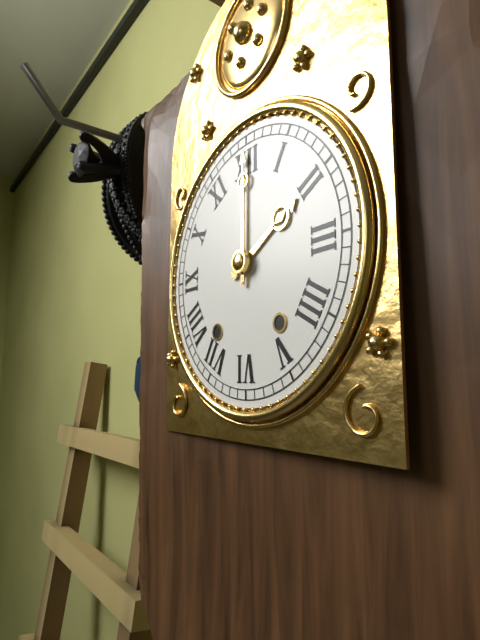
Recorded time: 2:00
